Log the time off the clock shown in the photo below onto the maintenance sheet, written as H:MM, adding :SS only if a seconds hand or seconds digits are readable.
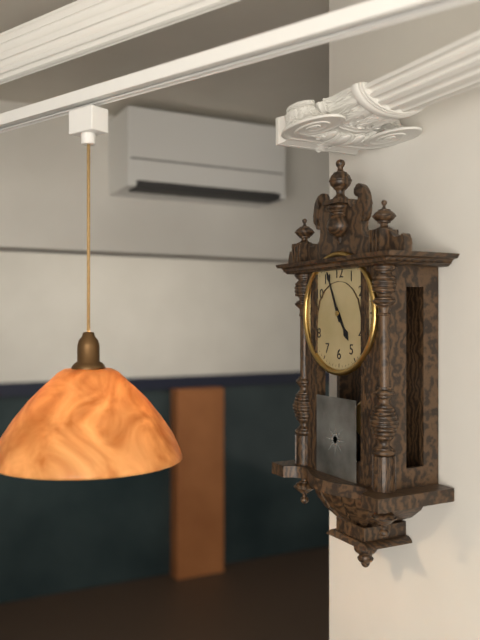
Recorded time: 4:56
